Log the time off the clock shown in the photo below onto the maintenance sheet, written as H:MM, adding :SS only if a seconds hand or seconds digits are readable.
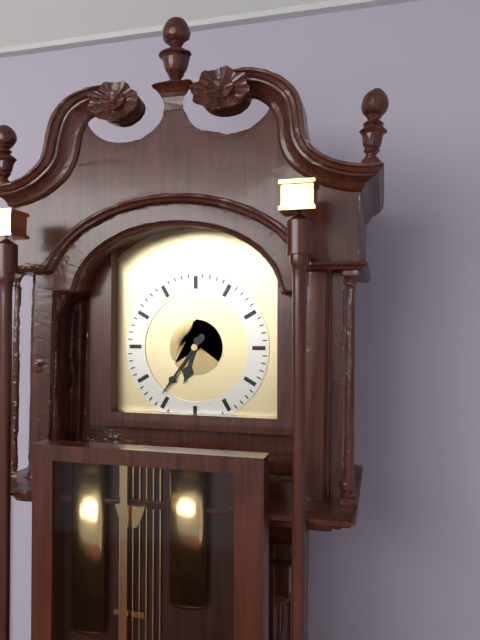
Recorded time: 6:36
